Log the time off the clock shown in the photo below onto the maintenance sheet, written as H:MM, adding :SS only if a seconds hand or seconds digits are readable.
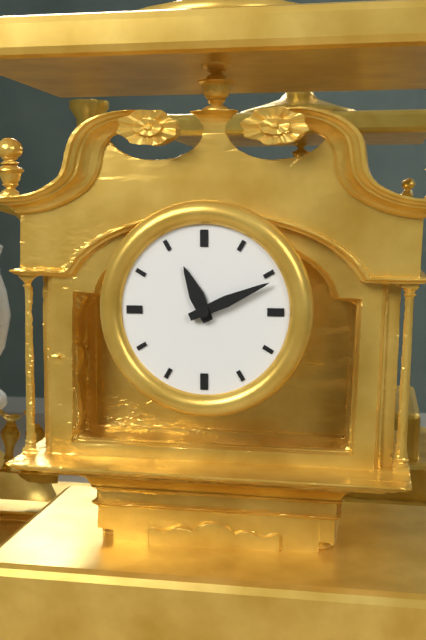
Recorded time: 11:11
